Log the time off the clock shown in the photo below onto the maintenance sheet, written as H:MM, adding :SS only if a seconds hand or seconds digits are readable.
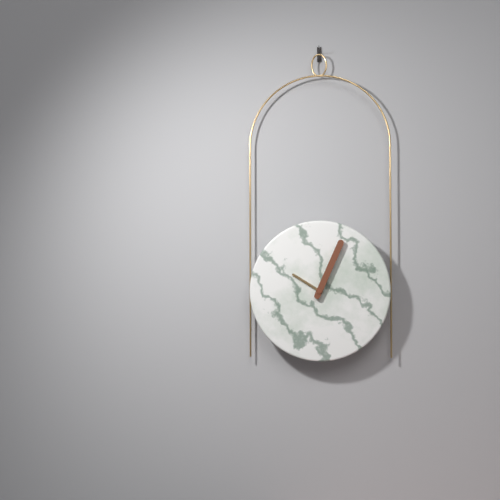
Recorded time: 10:04
